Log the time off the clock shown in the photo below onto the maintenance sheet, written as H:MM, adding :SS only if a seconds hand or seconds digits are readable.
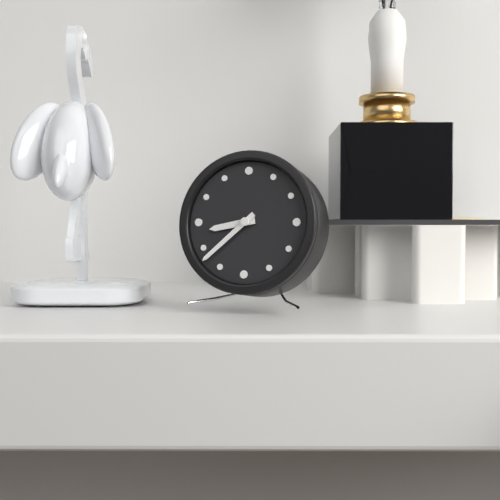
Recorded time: 8:38
